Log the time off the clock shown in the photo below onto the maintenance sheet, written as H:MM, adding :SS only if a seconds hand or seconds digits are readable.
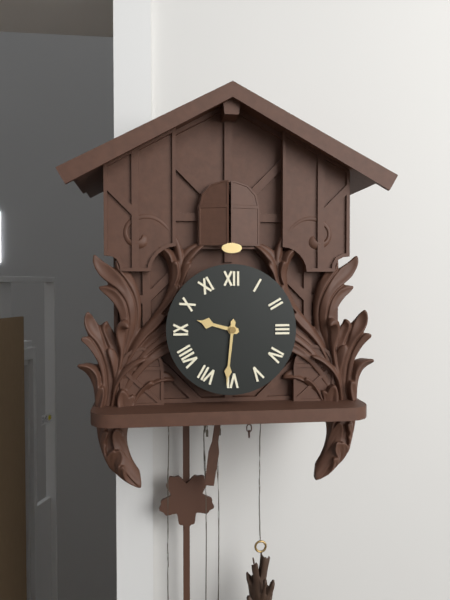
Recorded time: 9:31
